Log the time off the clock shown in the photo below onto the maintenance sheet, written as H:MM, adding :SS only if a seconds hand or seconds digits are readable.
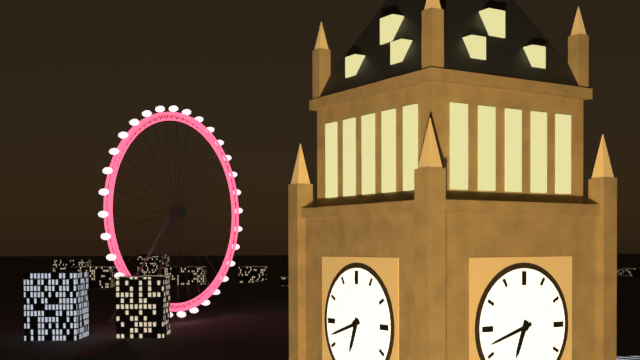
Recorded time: 6:42
